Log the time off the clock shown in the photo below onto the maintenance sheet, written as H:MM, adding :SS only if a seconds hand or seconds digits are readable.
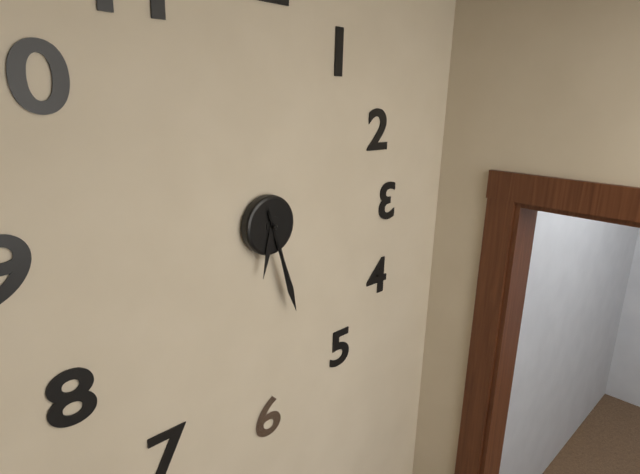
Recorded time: 6:27:27
